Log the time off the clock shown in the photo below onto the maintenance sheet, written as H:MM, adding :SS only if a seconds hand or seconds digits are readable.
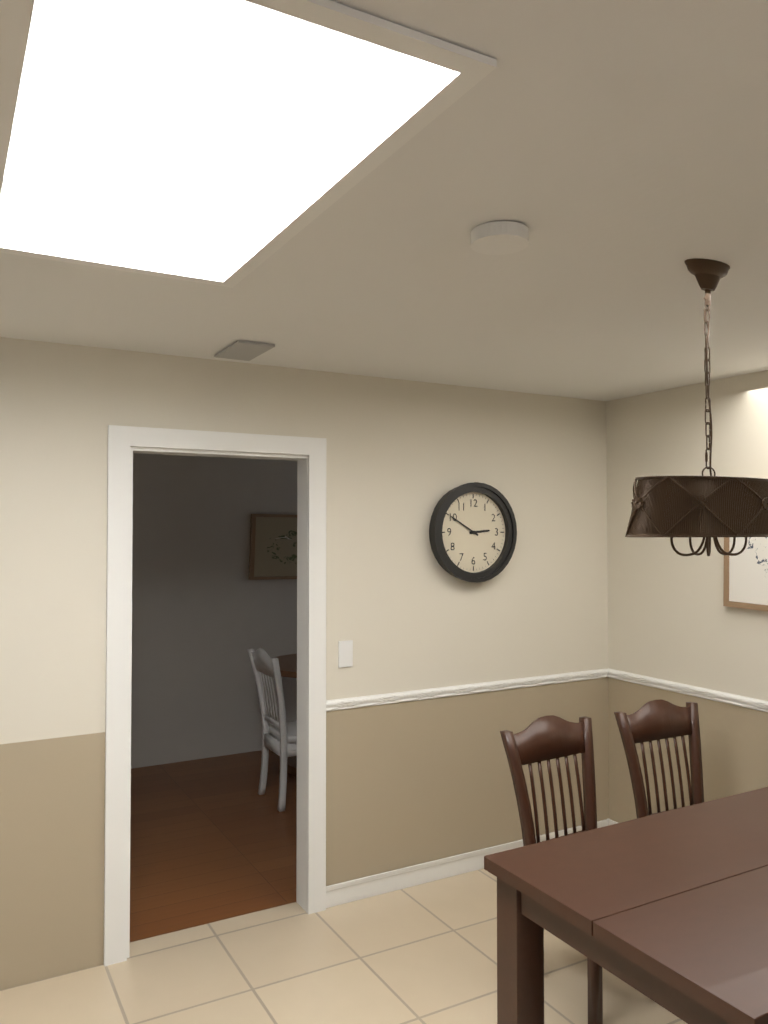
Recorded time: 2:50
